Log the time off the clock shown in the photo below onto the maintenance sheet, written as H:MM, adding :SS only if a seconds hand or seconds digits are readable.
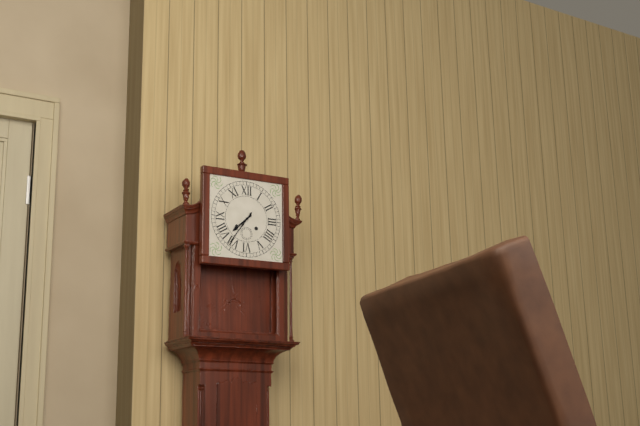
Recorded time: 7:36
